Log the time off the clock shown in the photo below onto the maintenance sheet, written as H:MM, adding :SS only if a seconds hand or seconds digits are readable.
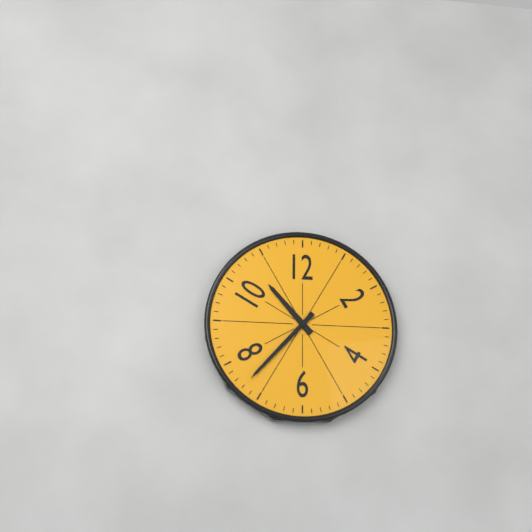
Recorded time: 10:37
